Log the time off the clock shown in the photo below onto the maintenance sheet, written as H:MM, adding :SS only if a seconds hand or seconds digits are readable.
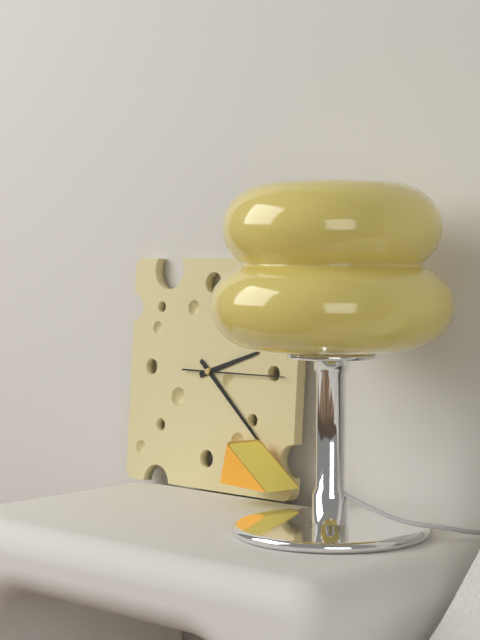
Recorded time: 2:22:15
